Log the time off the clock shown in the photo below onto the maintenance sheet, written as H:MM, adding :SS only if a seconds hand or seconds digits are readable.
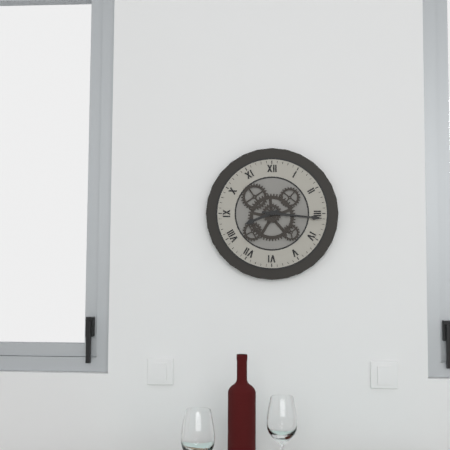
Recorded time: 8:16
